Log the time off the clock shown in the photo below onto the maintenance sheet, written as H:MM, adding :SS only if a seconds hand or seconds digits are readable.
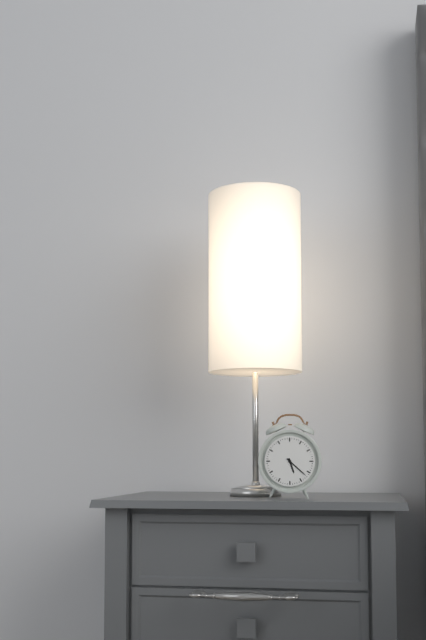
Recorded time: 5:22
